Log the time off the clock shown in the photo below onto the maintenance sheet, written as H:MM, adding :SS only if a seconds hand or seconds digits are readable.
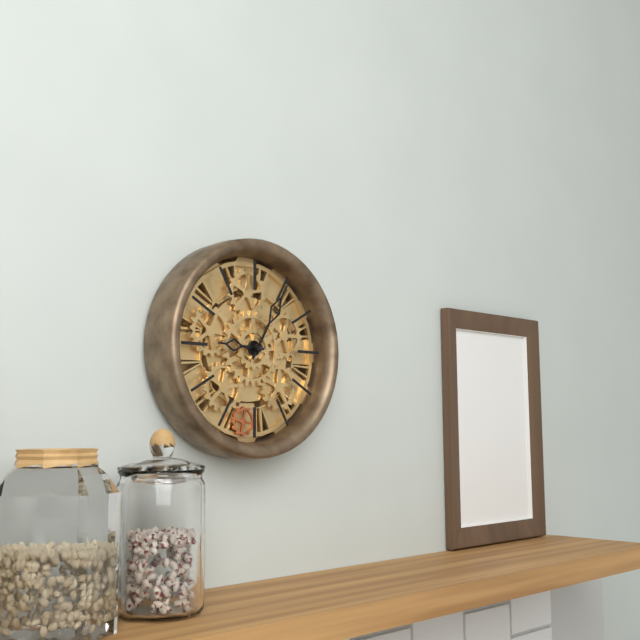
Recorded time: 9:05
